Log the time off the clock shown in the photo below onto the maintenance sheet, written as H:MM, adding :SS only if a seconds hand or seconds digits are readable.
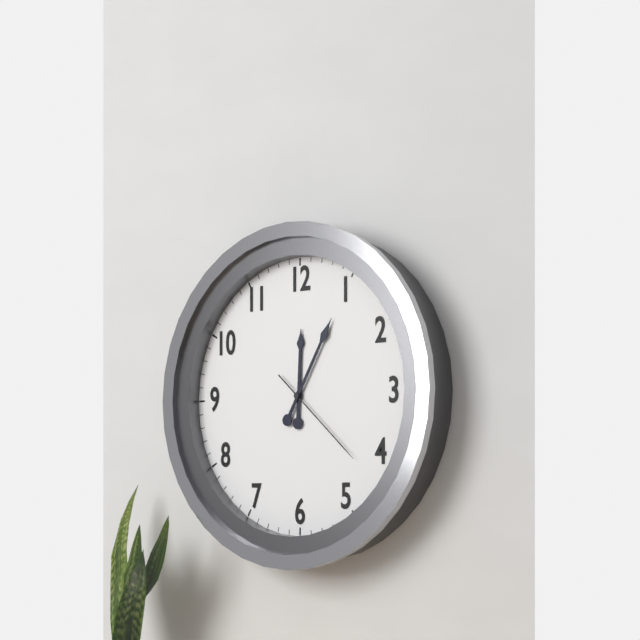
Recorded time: 12:05:22
